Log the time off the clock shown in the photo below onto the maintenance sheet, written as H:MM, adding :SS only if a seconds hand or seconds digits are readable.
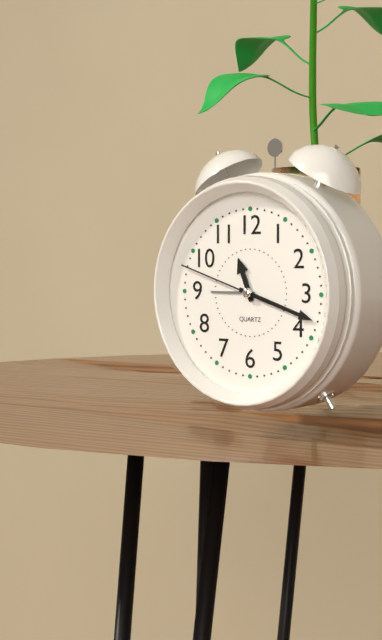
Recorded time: 11:18:48
